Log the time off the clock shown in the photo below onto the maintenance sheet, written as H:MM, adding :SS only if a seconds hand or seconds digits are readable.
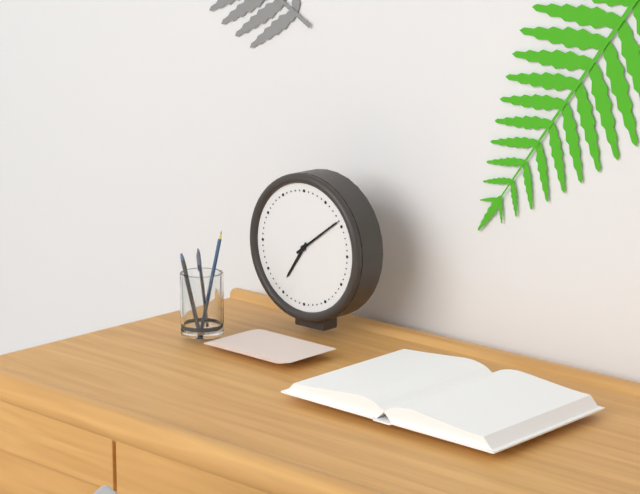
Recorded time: 7:09
